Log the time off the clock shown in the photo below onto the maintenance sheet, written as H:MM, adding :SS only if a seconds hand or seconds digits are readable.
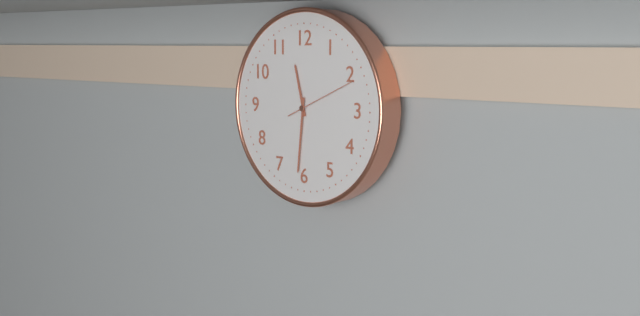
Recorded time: 11:31:11
